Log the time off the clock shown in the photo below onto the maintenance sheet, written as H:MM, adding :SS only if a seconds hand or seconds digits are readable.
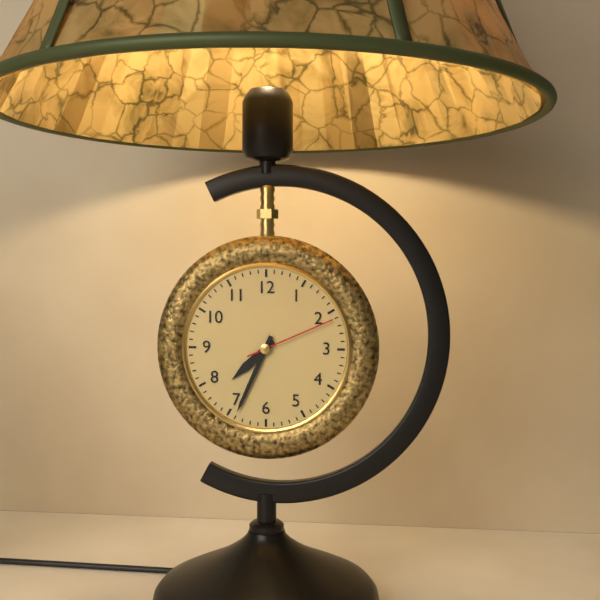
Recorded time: 7:34:11
